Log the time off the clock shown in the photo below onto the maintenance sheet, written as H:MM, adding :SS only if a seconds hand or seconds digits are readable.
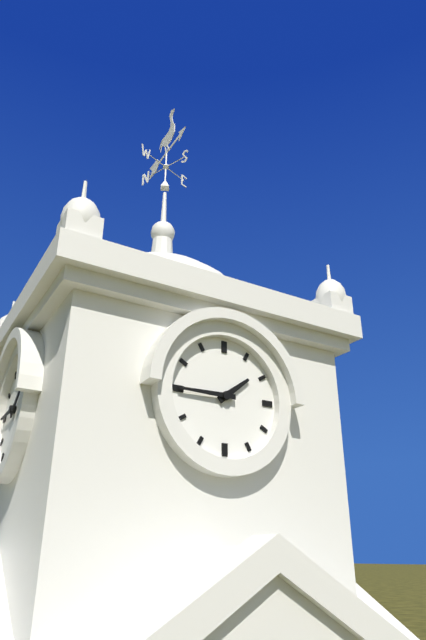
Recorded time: 1:45
